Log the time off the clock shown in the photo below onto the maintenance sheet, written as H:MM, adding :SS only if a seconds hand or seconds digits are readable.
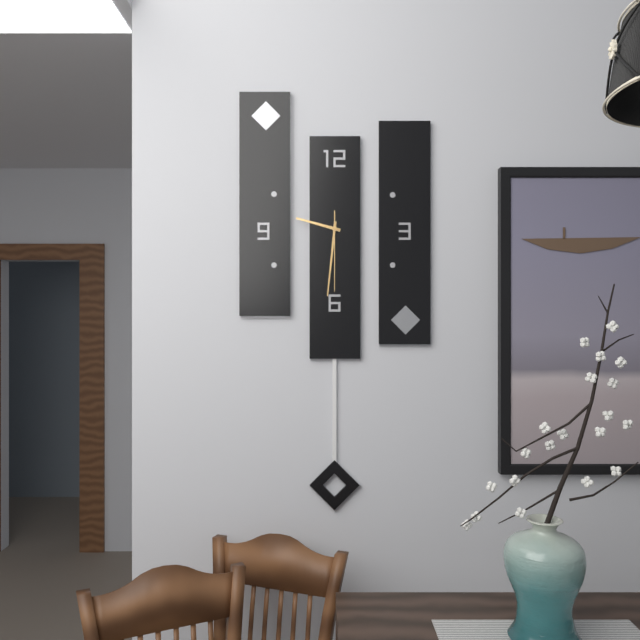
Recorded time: 9:31:30
